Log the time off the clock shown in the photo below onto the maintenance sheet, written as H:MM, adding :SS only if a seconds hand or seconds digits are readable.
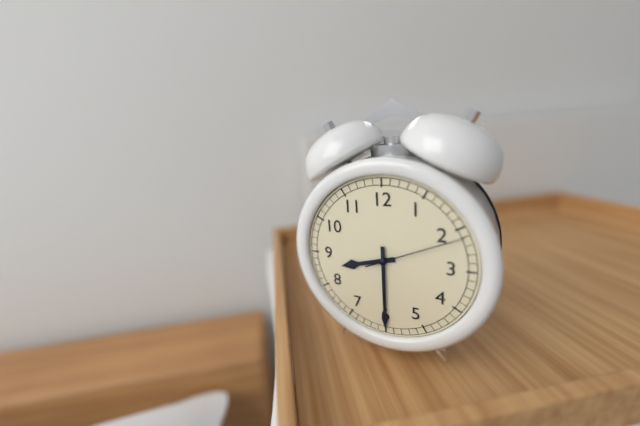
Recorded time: 8:30:11
